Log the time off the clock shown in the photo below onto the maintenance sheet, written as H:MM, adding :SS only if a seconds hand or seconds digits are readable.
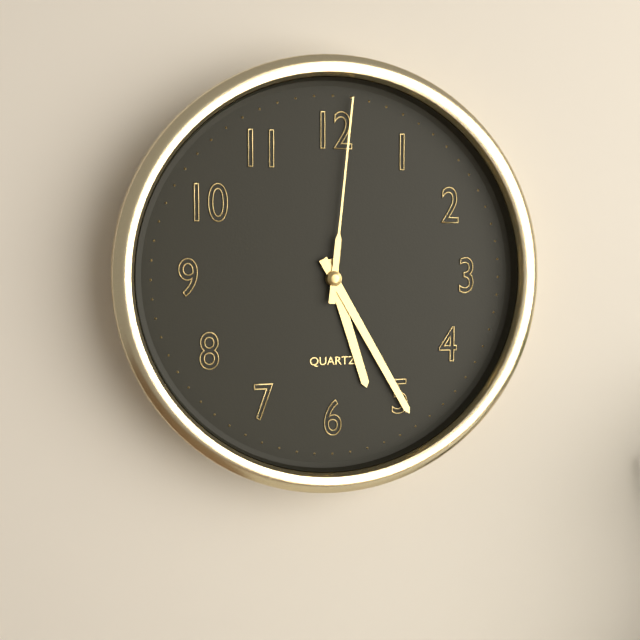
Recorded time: 5:25:01
